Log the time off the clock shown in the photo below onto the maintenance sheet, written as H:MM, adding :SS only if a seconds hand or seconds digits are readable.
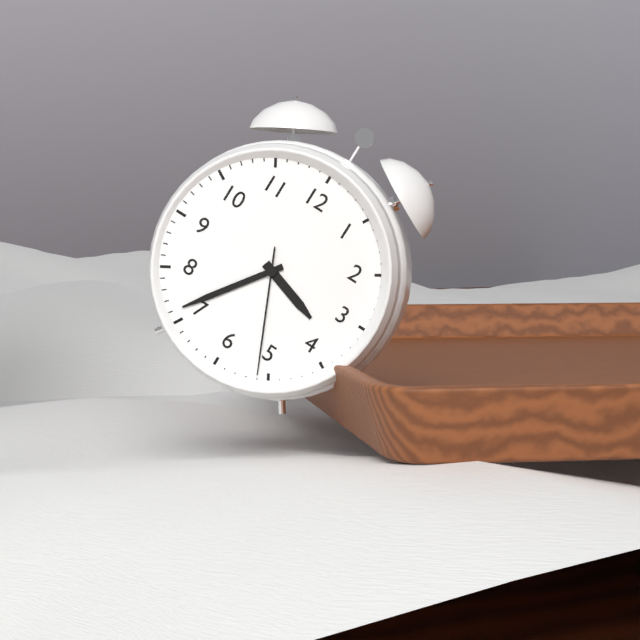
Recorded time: 3:36:26
